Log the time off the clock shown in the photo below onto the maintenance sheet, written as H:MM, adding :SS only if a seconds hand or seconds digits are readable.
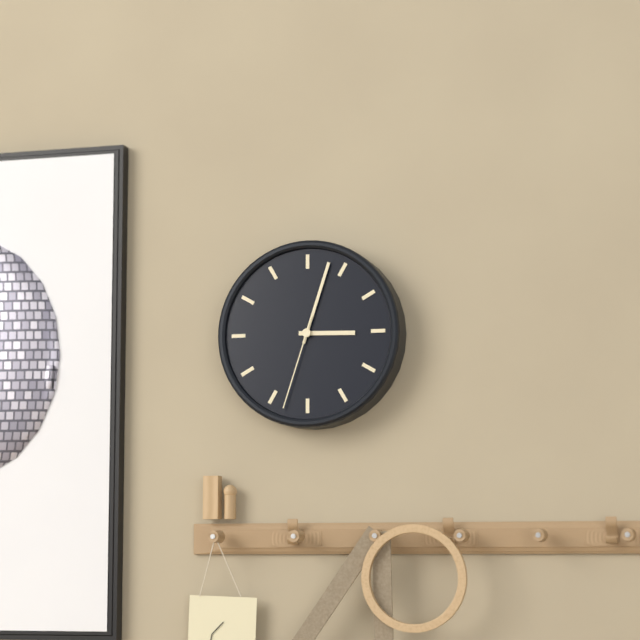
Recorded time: 3:03:33
